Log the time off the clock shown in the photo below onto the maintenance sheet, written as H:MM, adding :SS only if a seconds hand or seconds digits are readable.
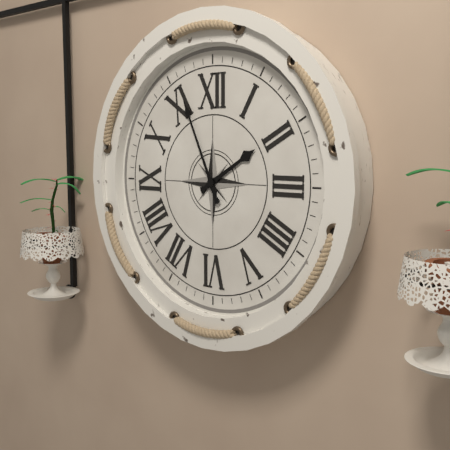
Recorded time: 1:56
